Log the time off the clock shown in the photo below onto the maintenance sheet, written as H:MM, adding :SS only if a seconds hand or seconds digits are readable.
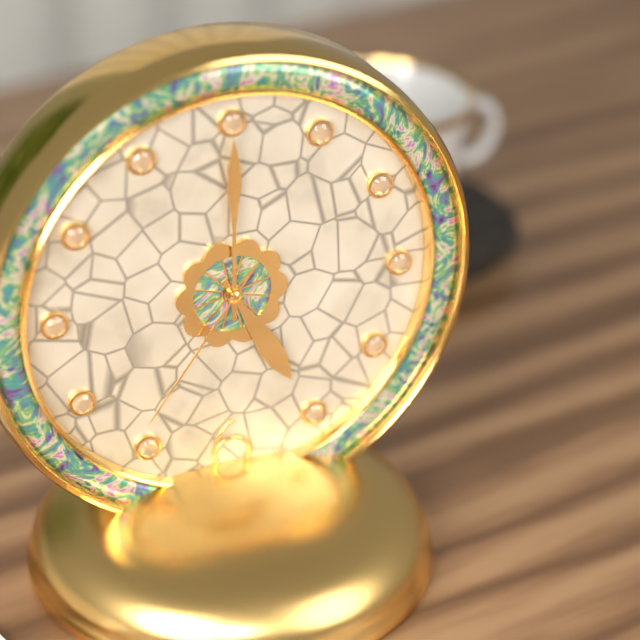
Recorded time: 5:00:36
